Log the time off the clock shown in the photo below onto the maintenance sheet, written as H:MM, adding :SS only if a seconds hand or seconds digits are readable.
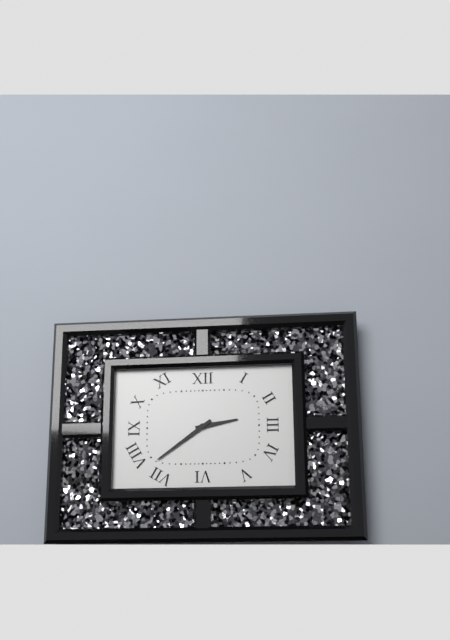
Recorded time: 2:39
